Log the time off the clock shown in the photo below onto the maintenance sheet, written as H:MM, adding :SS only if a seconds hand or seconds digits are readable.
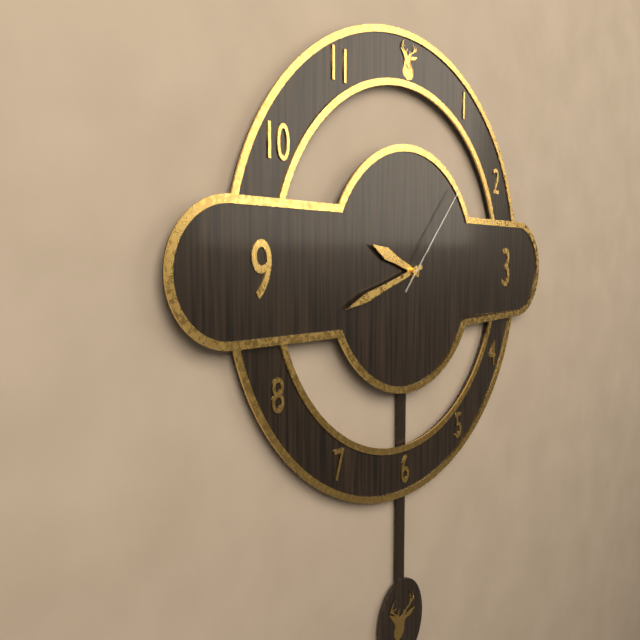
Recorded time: 9:42:07
